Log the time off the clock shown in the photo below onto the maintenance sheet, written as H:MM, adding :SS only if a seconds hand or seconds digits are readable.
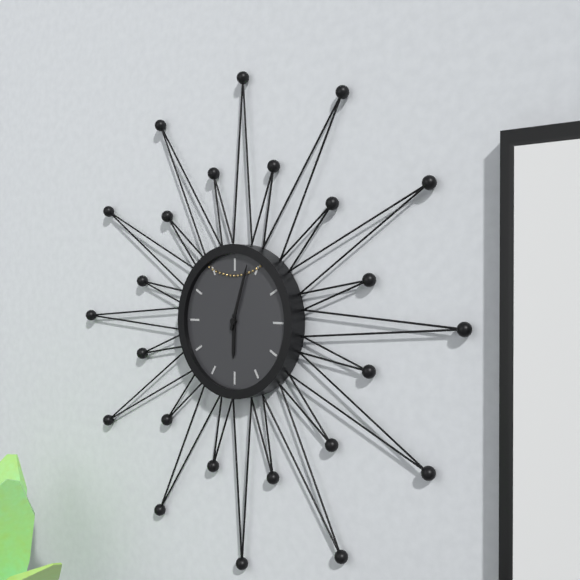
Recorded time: 6:03
